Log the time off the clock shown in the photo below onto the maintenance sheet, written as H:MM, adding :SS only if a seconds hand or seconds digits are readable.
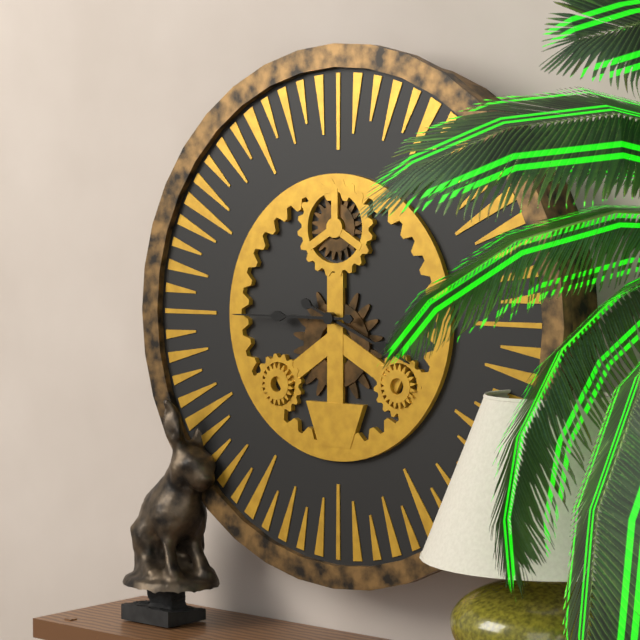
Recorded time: 3:45
